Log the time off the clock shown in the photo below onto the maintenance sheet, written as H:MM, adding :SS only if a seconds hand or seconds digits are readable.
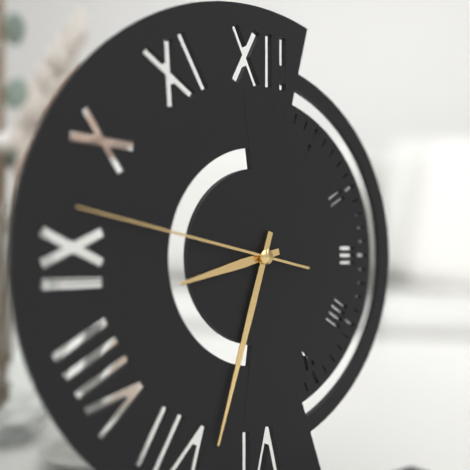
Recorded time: 8:33:47
